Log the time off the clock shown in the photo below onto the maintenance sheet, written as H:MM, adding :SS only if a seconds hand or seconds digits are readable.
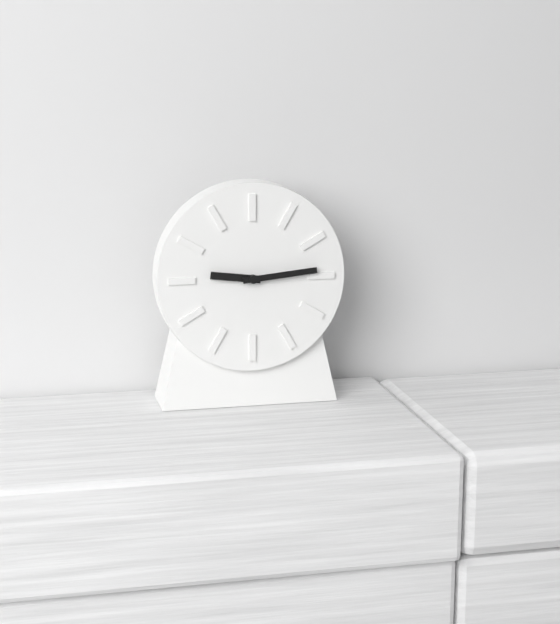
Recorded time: 9:14
